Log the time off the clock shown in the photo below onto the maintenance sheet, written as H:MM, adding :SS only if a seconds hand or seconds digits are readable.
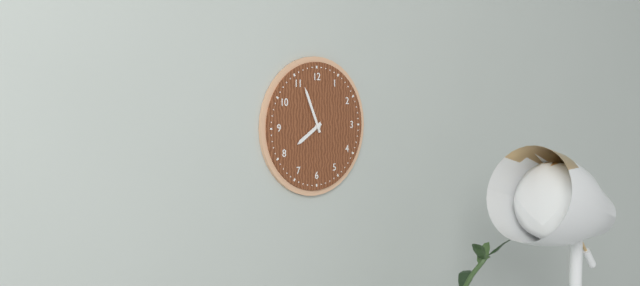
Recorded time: 7:56
